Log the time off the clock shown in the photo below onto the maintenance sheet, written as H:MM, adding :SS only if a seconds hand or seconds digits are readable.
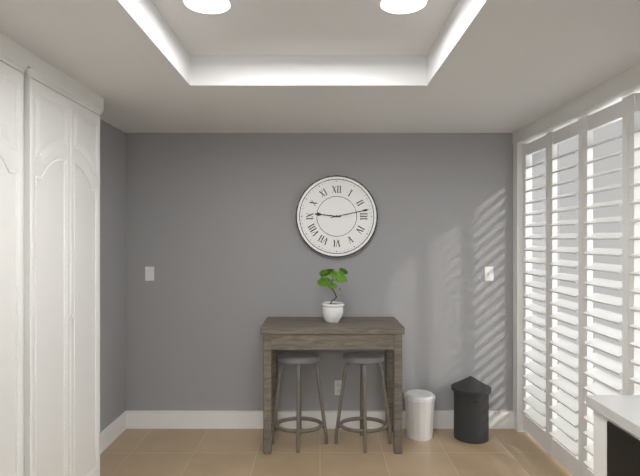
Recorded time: 9:13
